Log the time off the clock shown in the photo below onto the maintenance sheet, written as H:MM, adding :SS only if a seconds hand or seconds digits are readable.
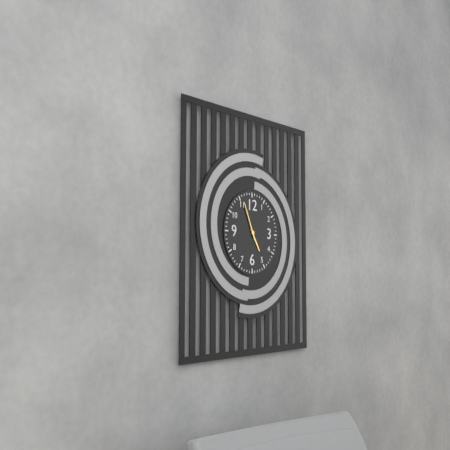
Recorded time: 4:56
